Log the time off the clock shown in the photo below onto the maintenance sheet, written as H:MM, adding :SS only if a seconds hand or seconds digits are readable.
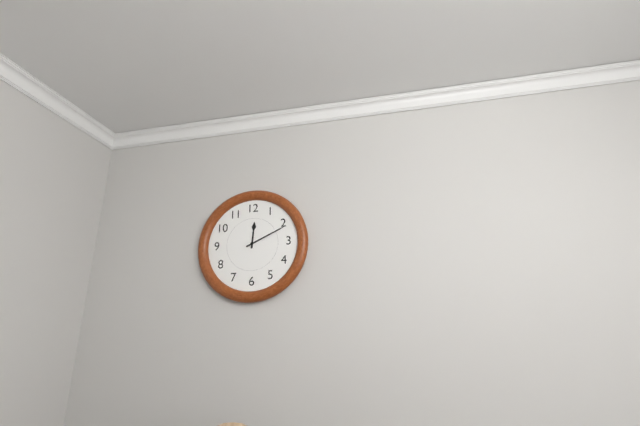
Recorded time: 12:11
